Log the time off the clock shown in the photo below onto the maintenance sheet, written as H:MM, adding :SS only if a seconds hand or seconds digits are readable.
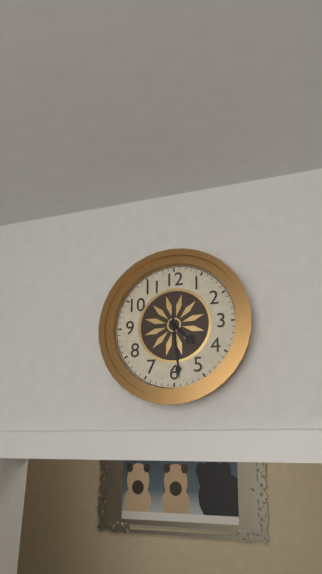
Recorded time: 4:29
